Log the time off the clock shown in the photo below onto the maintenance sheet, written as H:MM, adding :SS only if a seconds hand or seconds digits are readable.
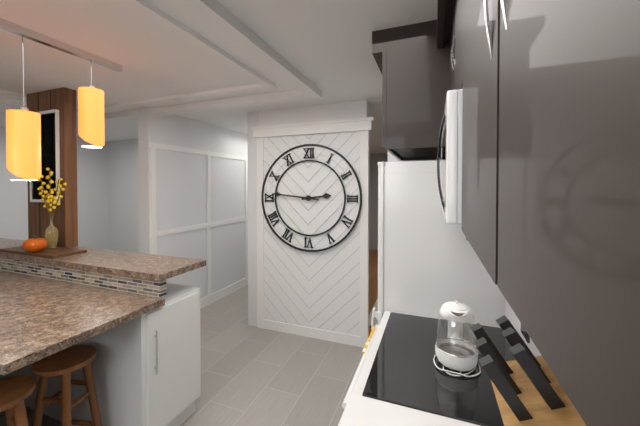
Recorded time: 2:46
